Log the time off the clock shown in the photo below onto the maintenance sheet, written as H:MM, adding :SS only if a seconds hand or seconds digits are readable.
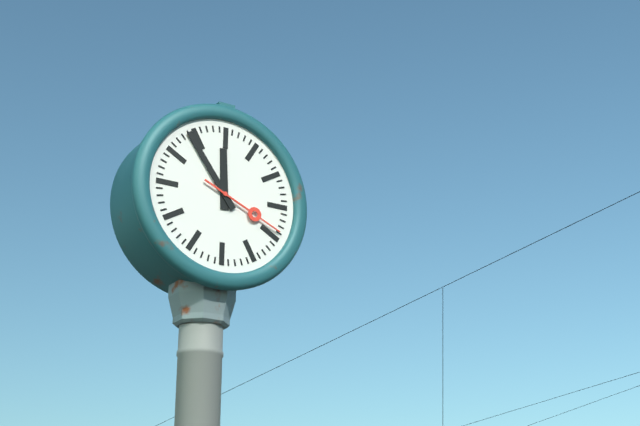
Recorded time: 11:54:19
